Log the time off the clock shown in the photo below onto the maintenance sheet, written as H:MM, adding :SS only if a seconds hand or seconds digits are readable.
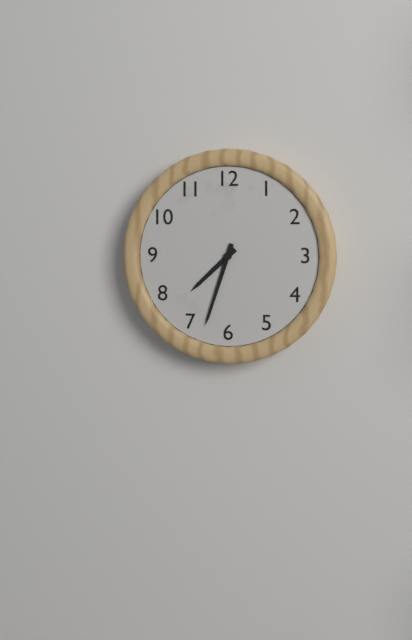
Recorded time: 7:33
